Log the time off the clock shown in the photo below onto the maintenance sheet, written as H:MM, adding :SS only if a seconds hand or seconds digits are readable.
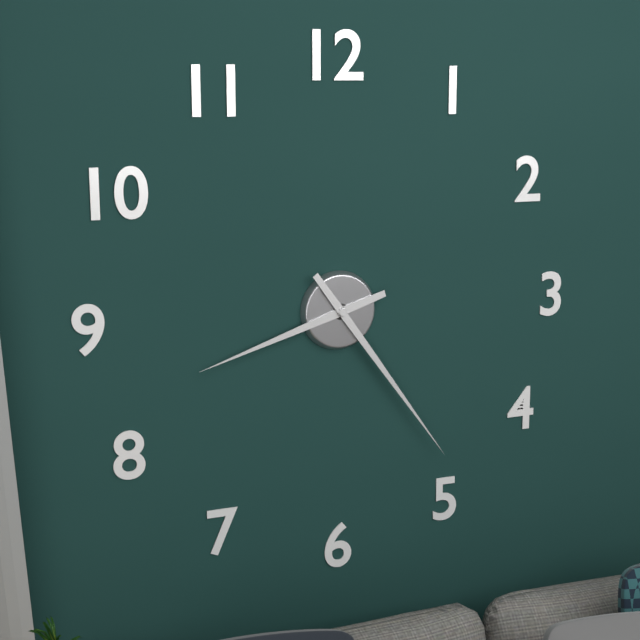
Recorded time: 8:24
